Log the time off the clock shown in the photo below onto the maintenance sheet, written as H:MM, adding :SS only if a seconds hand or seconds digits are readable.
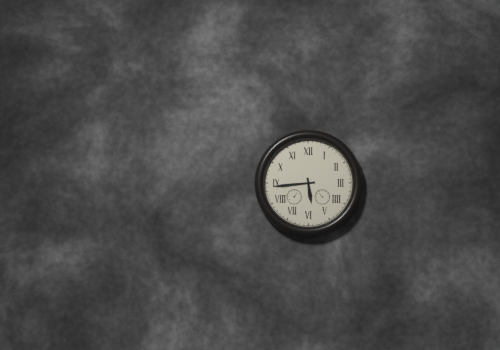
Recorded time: 5:44
